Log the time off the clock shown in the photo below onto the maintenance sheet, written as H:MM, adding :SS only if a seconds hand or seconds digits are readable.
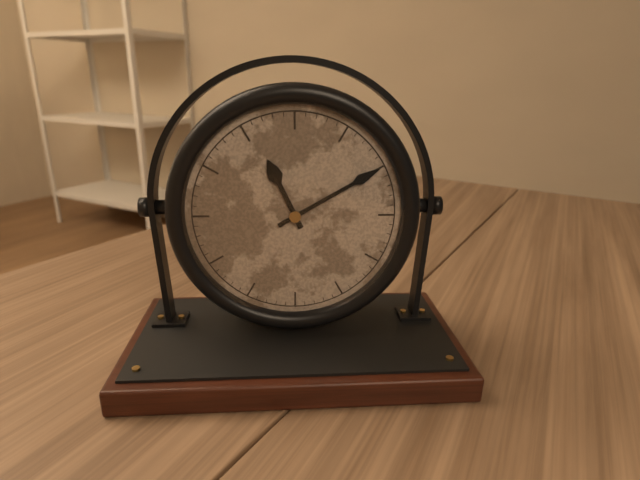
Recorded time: 11:10
